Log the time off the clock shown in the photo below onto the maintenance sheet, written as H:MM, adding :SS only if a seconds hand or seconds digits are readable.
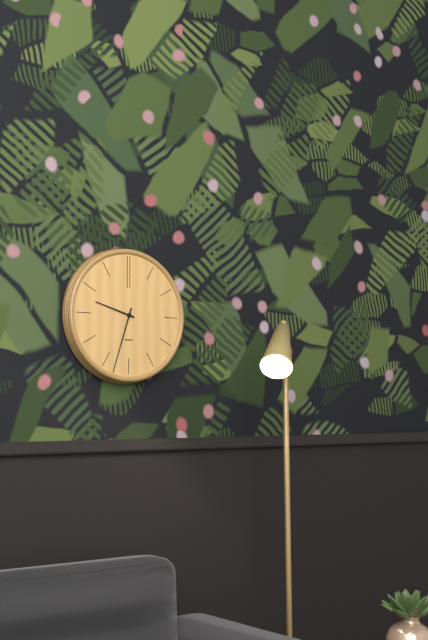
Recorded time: 9:33
